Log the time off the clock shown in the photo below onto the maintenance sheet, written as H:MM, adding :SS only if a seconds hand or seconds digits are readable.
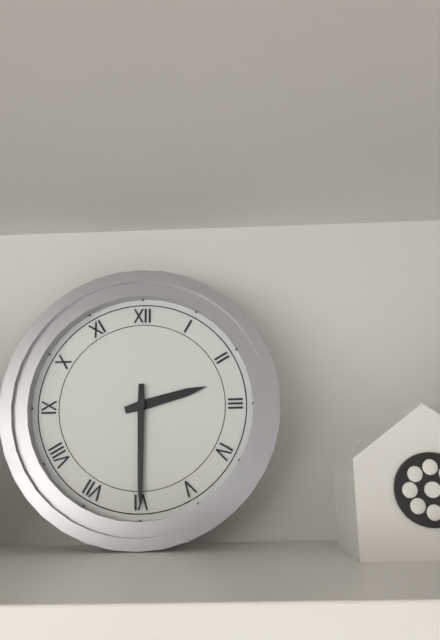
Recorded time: 2:30
